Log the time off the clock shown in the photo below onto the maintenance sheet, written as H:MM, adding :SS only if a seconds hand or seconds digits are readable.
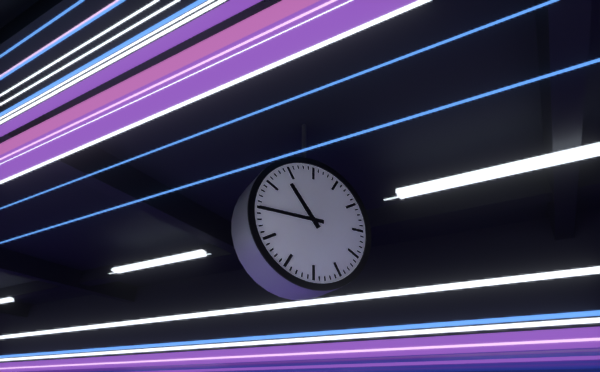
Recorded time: 10:45
